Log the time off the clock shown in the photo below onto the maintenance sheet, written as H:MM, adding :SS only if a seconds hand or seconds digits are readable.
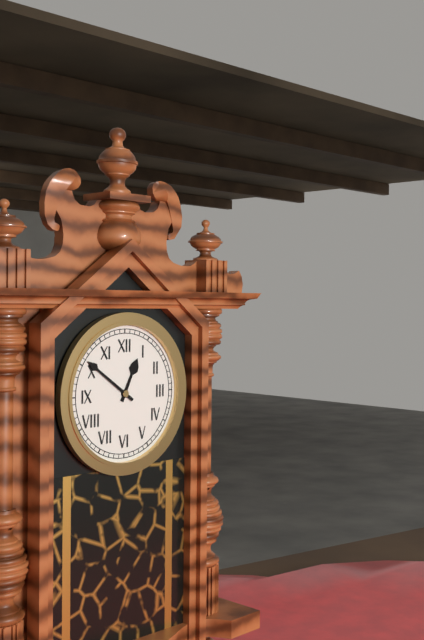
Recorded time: 12:51
